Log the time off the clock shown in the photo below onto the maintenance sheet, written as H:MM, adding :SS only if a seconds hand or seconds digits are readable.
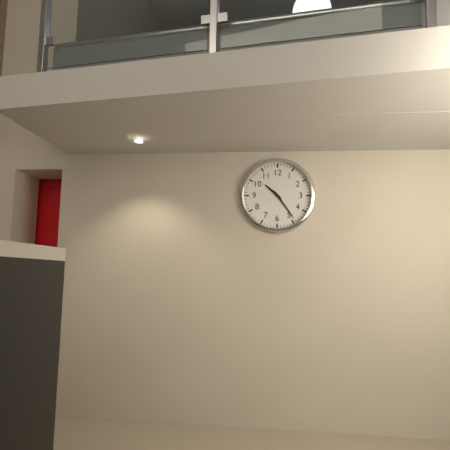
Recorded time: 10:24
